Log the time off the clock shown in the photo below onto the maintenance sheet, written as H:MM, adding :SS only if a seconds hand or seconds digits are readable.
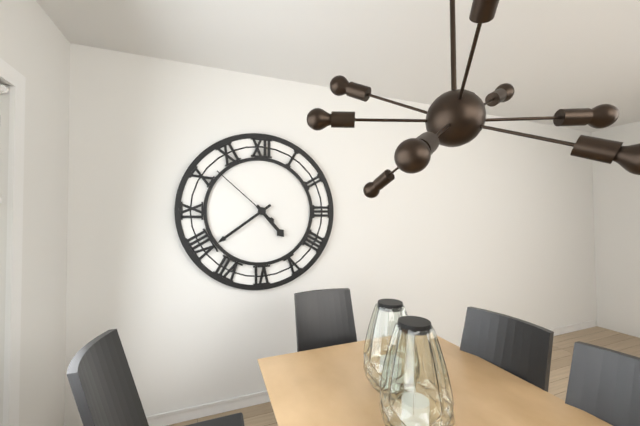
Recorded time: 4:39:52
